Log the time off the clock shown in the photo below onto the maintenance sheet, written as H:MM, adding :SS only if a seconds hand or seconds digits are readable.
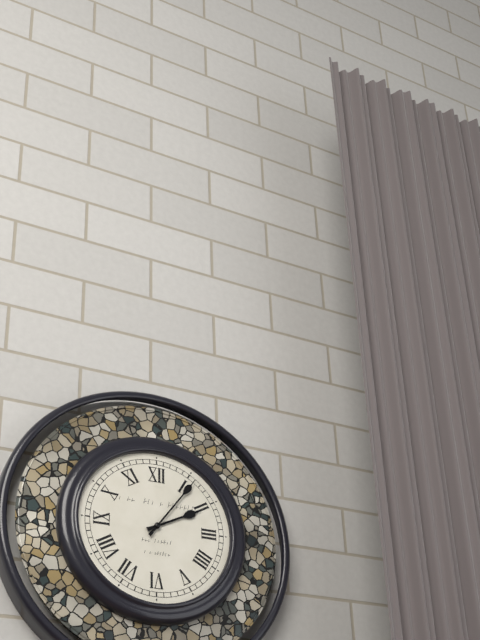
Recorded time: 2:06
